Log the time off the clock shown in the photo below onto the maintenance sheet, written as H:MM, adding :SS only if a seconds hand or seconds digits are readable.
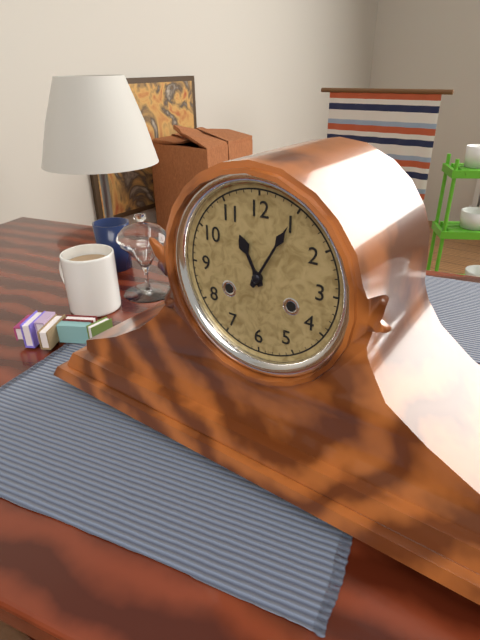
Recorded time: 11:05
